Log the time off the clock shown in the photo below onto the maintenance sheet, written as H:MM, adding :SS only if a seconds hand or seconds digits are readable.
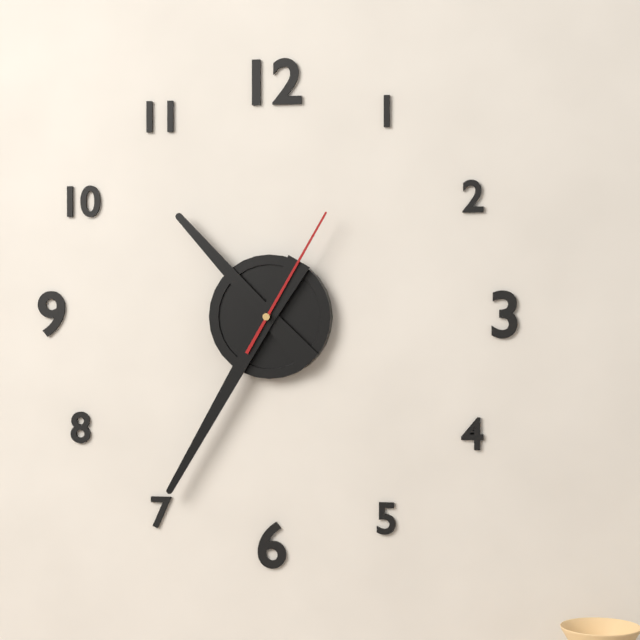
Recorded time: 10:35:05
